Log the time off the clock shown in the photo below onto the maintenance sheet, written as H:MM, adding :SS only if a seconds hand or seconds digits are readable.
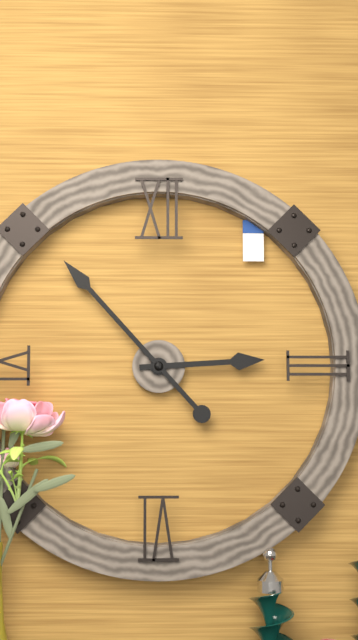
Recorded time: 2:53
